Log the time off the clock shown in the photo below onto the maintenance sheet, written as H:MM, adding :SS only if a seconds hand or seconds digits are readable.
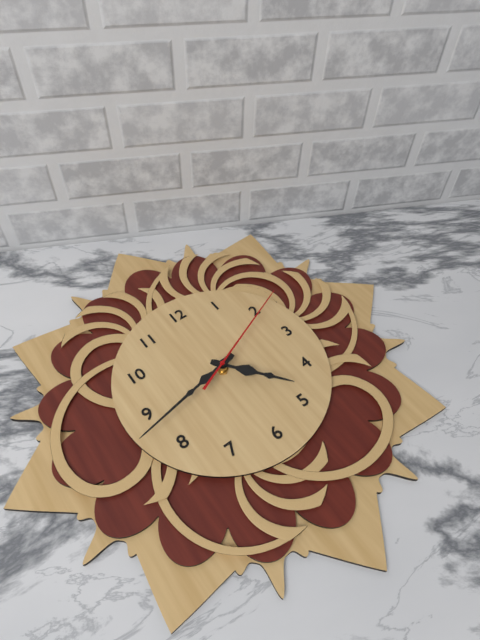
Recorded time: 4:43:11
